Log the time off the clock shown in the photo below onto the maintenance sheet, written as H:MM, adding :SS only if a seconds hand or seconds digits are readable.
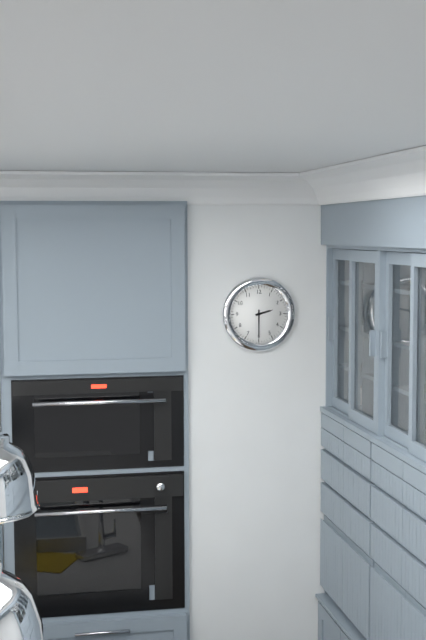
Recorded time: 2:30
